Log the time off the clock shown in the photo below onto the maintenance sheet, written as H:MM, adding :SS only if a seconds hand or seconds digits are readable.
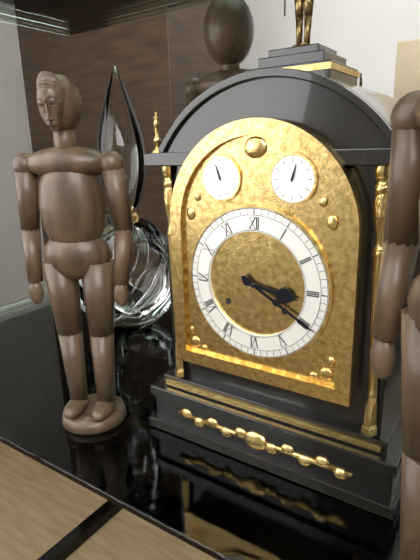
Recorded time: 3:20
